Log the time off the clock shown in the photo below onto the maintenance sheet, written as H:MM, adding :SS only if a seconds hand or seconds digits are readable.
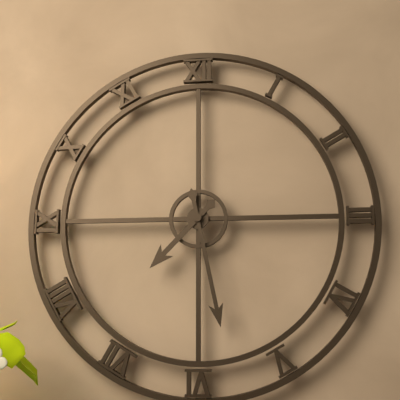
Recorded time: 7:28
